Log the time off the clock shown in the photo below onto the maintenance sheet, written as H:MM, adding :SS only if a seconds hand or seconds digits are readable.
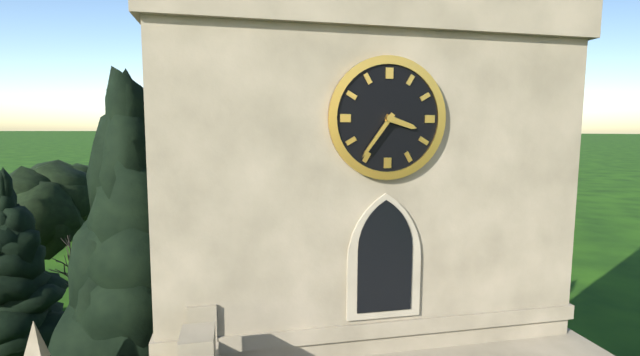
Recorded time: 3:36
